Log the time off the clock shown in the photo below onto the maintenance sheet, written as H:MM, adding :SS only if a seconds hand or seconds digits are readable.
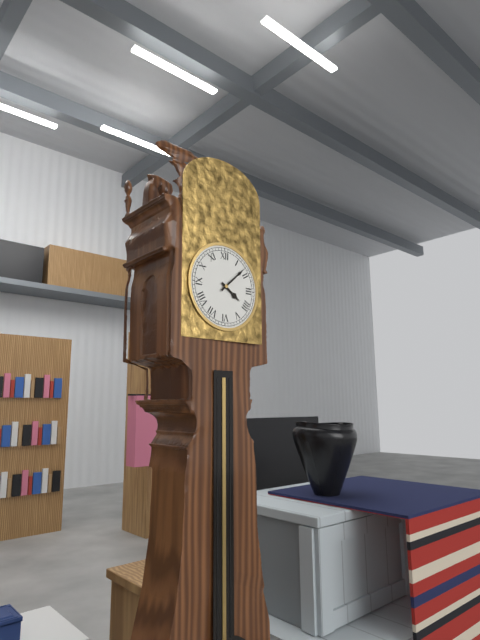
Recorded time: 4:08
